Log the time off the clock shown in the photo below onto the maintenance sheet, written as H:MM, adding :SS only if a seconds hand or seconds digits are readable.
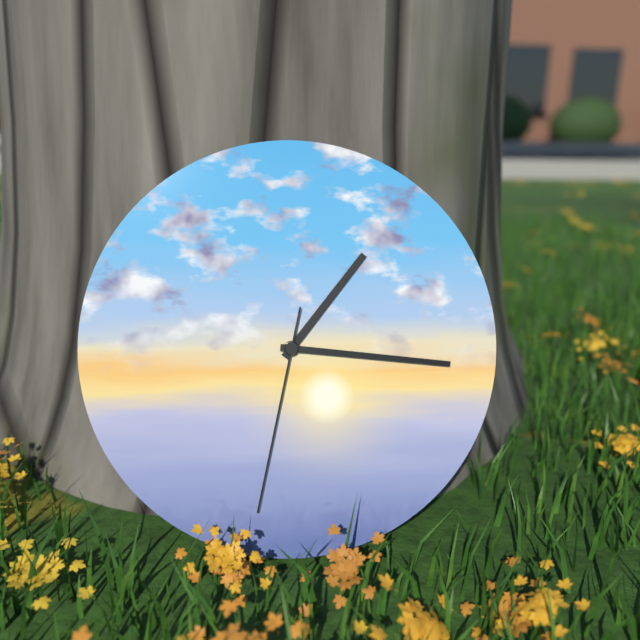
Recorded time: 1:16:32
